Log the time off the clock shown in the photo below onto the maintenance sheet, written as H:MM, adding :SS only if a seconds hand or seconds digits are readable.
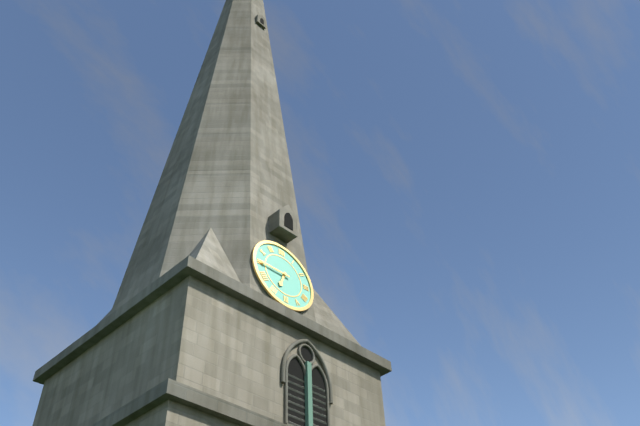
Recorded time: 6:45
